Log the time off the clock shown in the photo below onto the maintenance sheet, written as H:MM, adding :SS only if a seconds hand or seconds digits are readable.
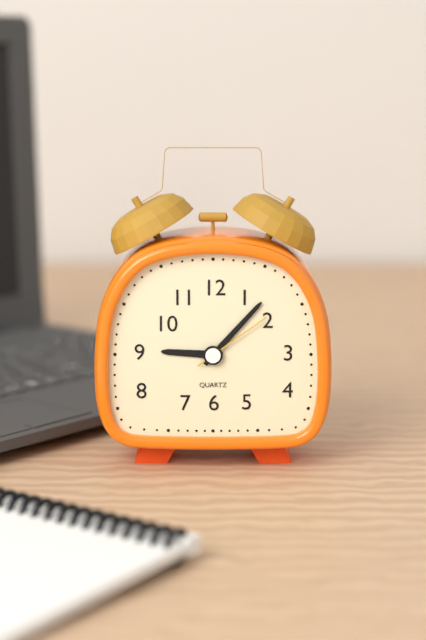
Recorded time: 9:07:09
